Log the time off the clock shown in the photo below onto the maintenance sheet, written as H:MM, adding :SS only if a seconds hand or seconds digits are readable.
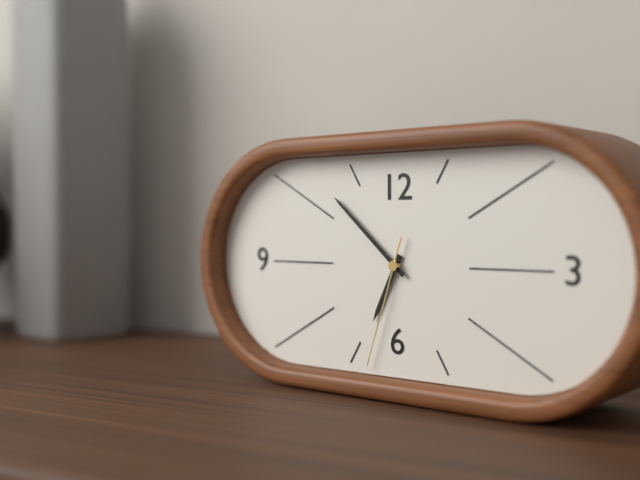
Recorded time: 6:52:33
